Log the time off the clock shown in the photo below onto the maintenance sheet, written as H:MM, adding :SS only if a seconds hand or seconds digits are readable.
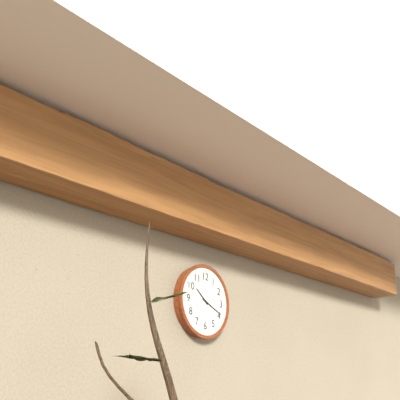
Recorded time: 10:19
